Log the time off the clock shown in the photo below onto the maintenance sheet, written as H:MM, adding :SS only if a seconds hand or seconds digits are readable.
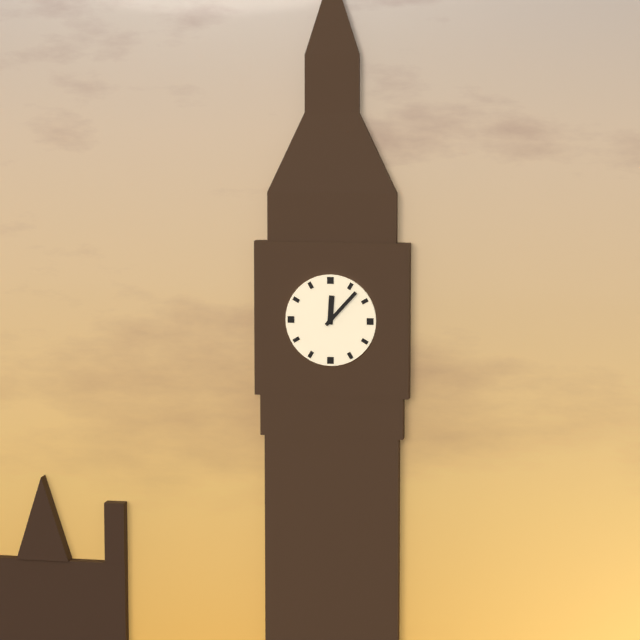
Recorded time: 12:07
